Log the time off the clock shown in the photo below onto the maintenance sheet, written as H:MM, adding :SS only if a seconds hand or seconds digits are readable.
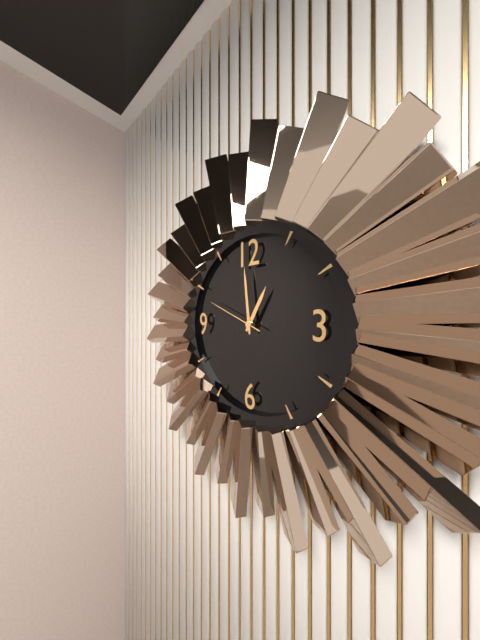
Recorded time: 12:59:49
